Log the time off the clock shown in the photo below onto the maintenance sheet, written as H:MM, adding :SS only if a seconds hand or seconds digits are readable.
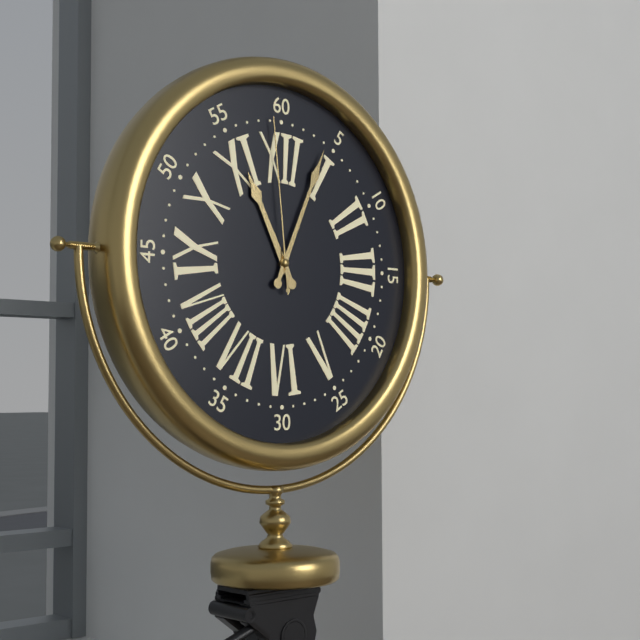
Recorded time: 11:04:59
